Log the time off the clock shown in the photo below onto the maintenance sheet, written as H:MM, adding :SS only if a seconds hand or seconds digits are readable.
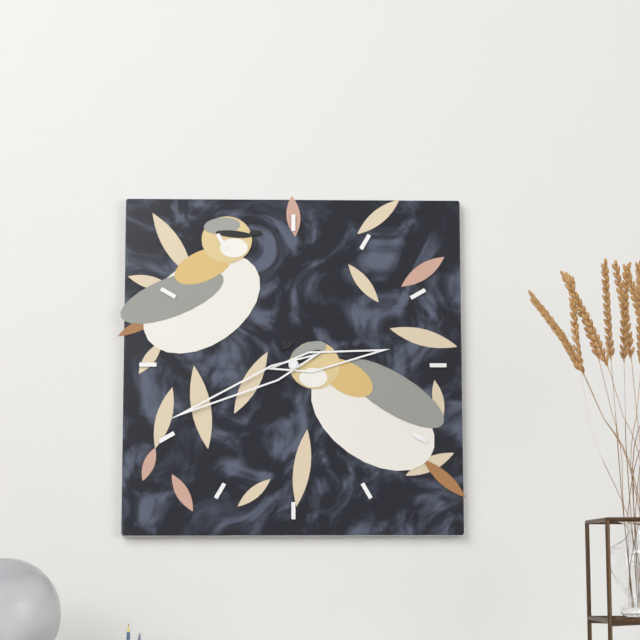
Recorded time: 2:41
